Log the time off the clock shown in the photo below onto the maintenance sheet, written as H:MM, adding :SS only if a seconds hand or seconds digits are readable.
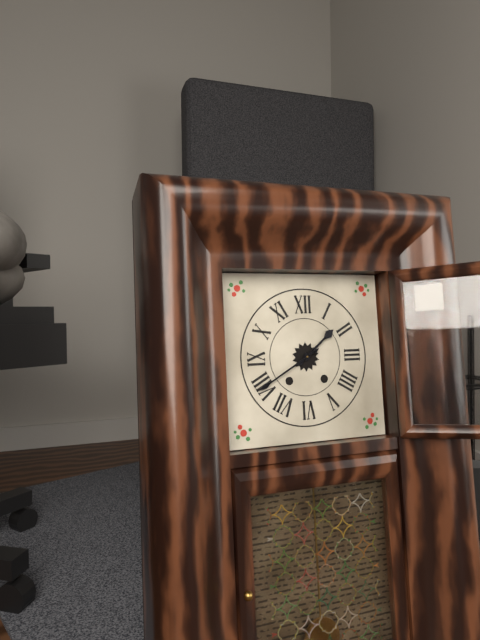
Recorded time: 1:40
